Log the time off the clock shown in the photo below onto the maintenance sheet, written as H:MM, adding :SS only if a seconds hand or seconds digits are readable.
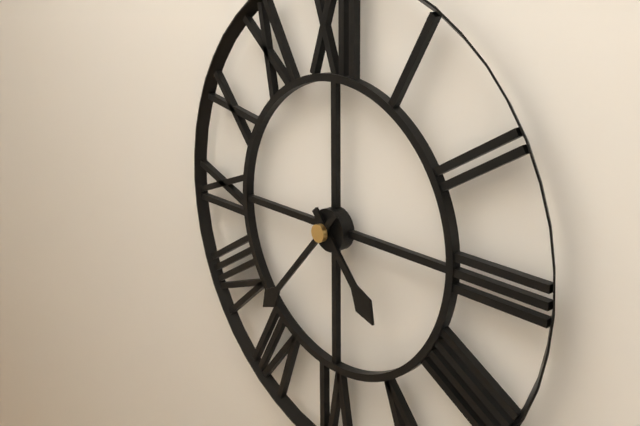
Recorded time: 4:37
